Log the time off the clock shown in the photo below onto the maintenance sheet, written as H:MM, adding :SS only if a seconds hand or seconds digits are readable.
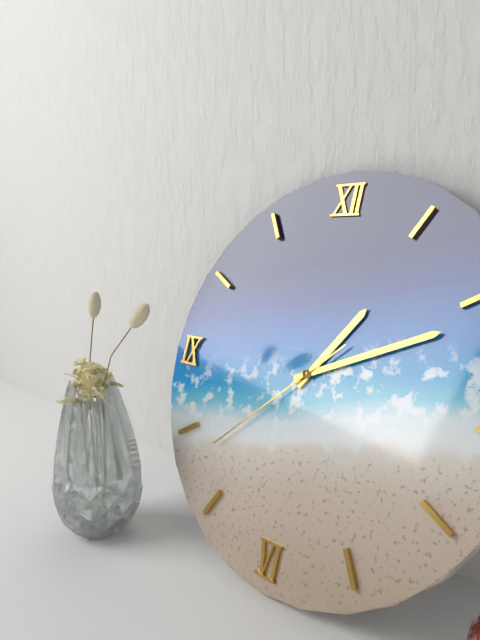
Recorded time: 1:11:38
